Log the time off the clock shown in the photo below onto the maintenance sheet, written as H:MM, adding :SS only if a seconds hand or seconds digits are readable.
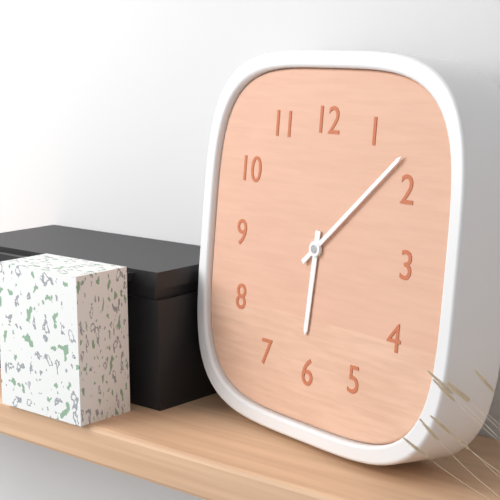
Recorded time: 6:08
